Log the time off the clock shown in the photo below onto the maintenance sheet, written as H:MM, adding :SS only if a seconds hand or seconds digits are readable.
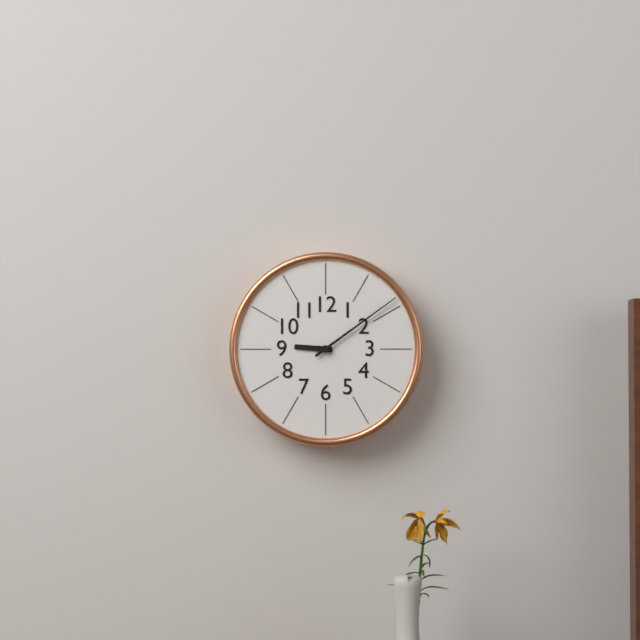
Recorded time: 9:09
